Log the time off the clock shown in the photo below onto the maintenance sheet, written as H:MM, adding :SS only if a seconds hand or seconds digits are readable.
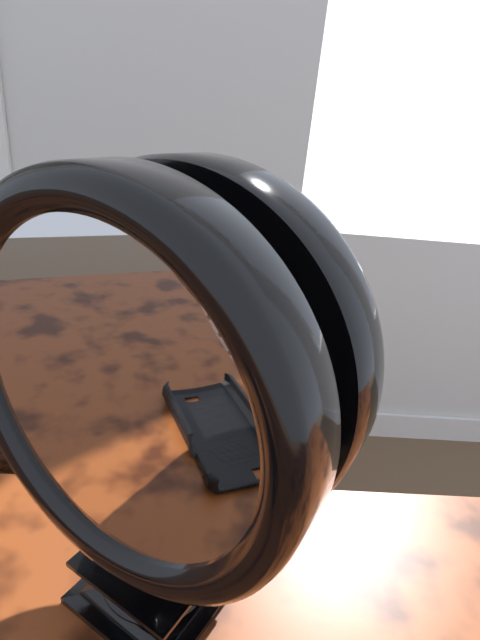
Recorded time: 1:59:35
